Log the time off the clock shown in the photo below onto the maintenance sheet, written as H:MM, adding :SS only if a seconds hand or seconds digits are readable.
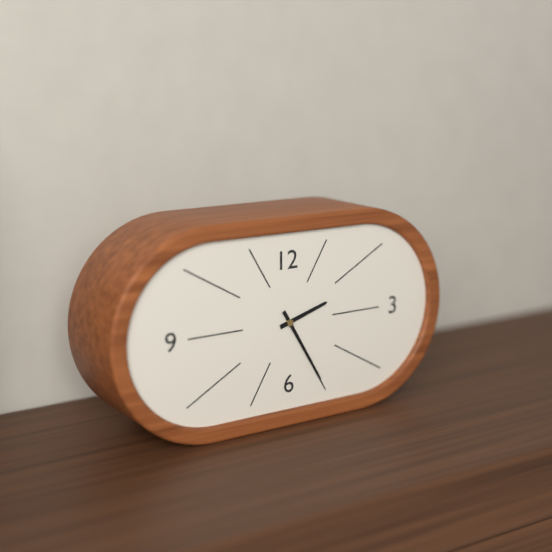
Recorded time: 2:25
